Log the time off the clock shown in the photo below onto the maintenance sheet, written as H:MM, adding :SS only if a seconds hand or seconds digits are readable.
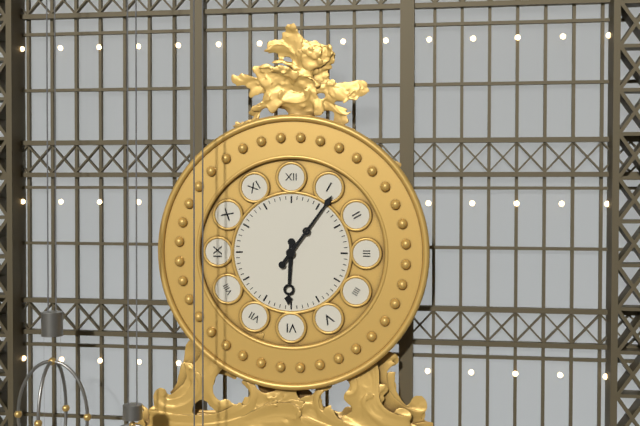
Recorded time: 6:06
